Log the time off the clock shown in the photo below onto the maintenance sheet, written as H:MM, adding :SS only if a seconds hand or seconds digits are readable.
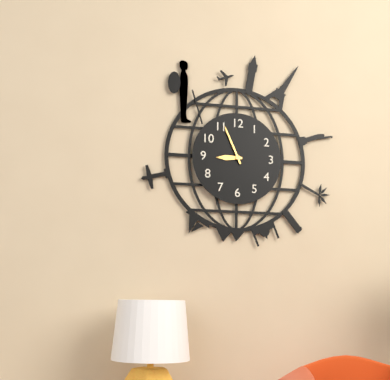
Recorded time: 8:56
